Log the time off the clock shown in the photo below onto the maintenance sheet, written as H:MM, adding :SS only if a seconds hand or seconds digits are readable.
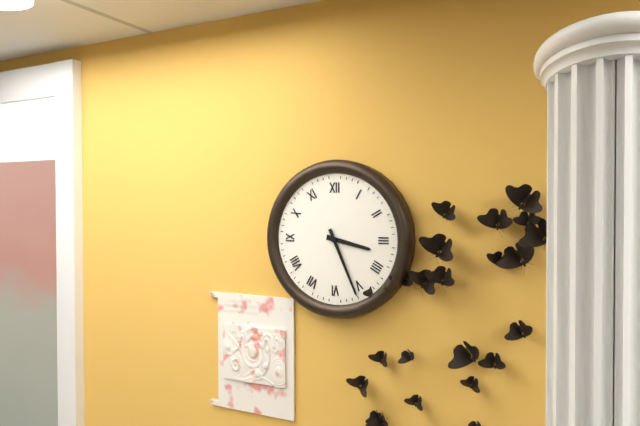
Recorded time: 3:26
